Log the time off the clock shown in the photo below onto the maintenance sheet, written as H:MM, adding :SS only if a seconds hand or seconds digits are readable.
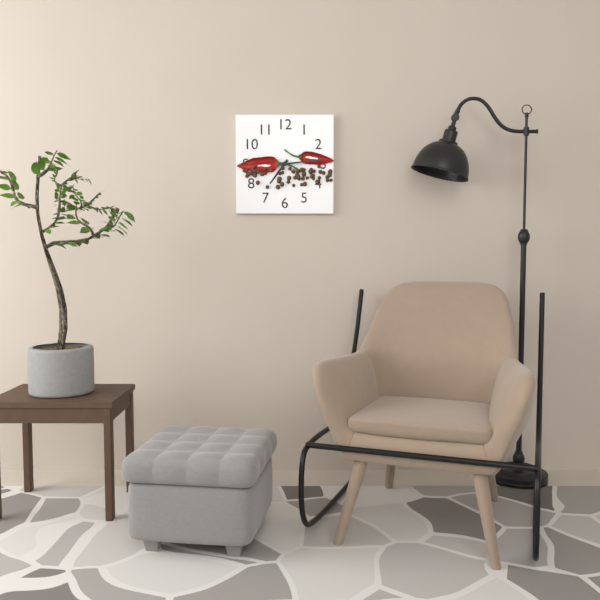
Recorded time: 7:14
